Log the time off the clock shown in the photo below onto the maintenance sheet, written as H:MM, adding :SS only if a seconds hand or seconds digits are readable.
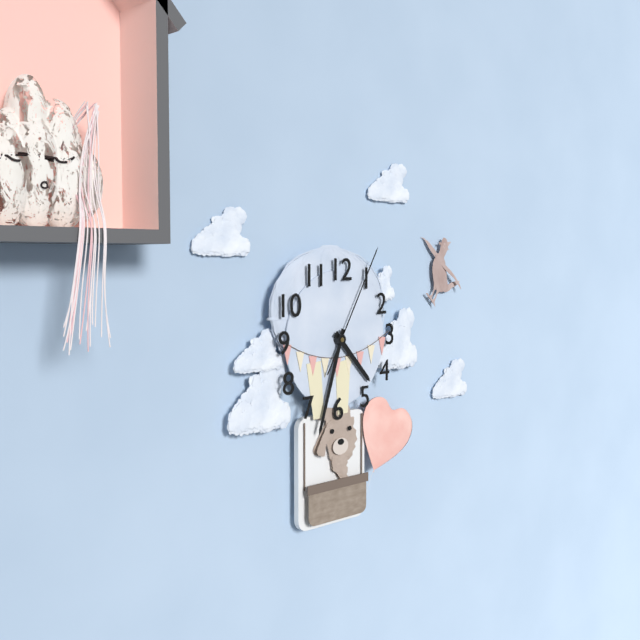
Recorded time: 4:33:05
